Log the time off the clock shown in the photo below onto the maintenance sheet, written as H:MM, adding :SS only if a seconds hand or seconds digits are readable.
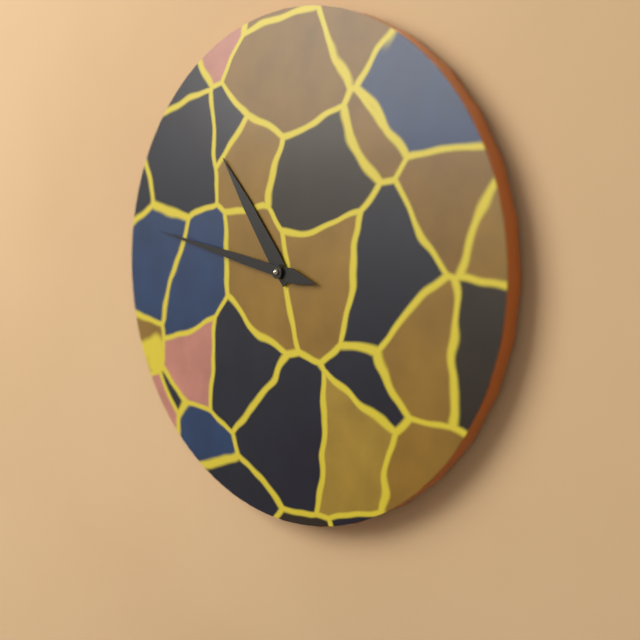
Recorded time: 10:47
